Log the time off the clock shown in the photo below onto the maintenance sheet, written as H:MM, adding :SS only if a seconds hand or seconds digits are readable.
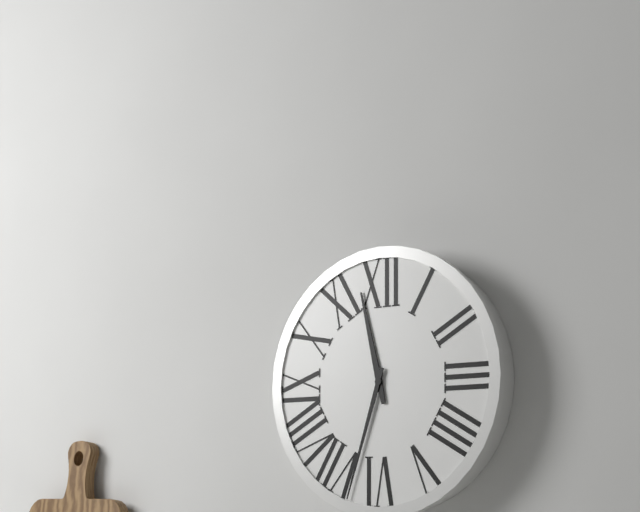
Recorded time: 11:33
